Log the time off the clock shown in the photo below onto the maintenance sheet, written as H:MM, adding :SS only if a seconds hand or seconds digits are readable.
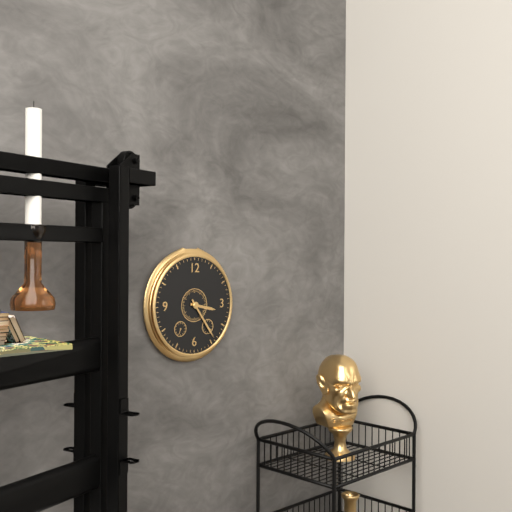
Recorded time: 3:24
